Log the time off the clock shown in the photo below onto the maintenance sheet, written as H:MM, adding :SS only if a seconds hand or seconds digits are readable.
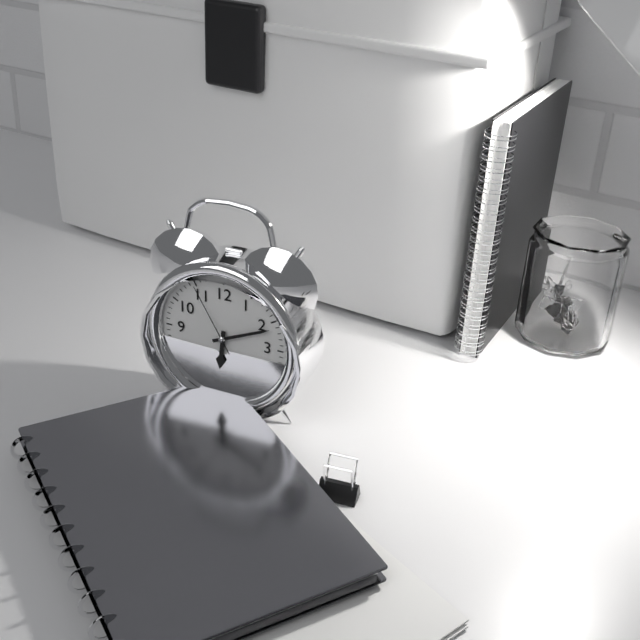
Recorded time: 6:11:55
